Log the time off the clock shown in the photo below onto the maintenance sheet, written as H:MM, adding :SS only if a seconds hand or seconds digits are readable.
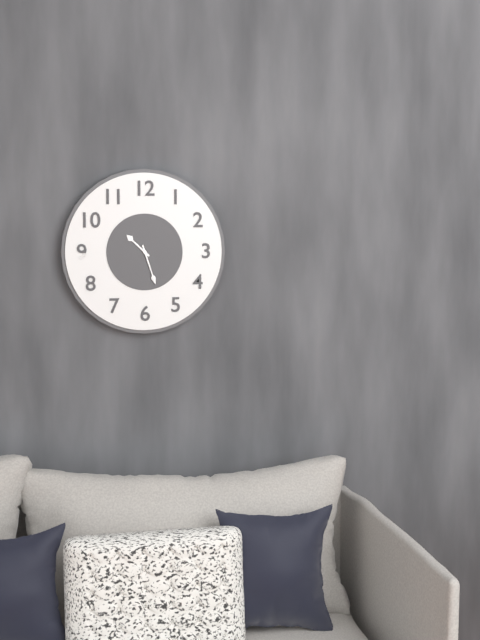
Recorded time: 10:27
